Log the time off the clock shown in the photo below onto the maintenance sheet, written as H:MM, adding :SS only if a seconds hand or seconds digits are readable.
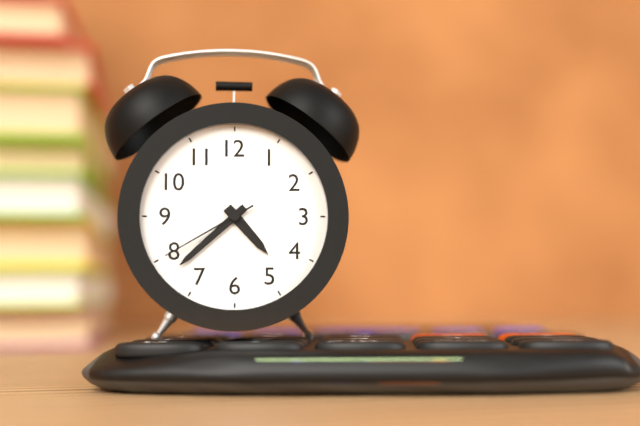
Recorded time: 4:38:40
